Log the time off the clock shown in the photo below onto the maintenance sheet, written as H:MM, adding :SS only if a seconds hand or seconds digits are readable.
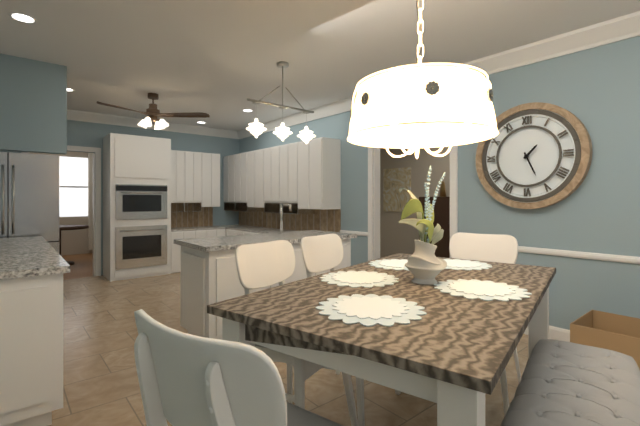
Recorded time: 1:26
